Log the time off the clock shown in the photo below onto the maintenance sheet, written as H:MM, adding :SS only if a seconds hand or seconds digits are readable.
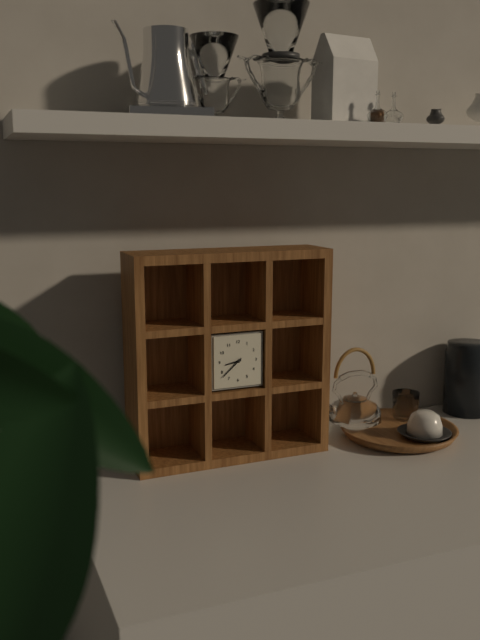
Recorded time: 8:38
